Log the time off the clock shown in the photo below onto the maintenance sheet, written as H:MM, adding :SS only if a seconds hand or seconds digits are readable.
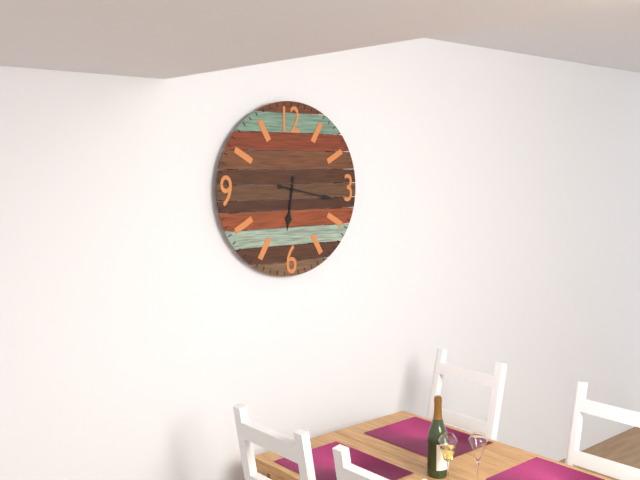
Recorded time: 6:17
